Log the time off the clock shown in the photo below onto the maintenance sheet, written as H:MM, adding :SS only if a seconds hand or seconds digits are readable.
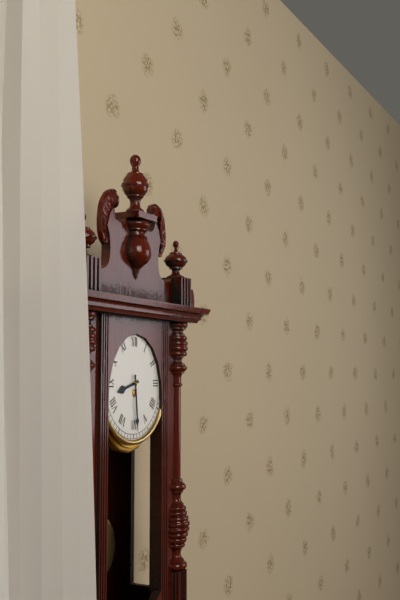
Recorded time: 8:29
